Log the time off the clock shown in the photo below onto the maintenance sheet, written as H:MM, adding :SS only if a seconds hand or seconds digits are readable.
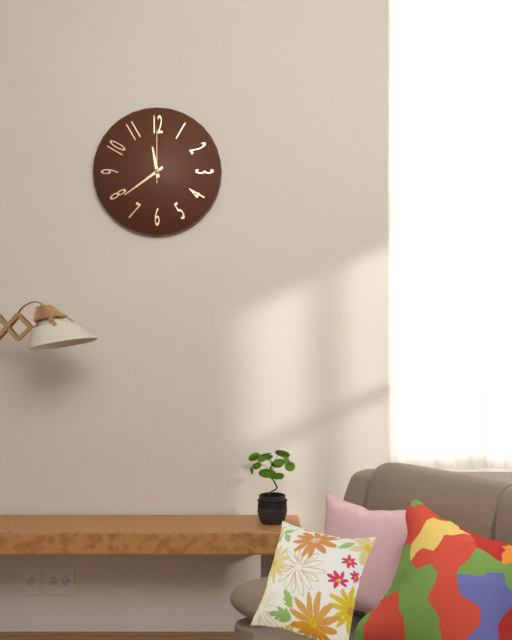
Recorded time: 11:39:00
